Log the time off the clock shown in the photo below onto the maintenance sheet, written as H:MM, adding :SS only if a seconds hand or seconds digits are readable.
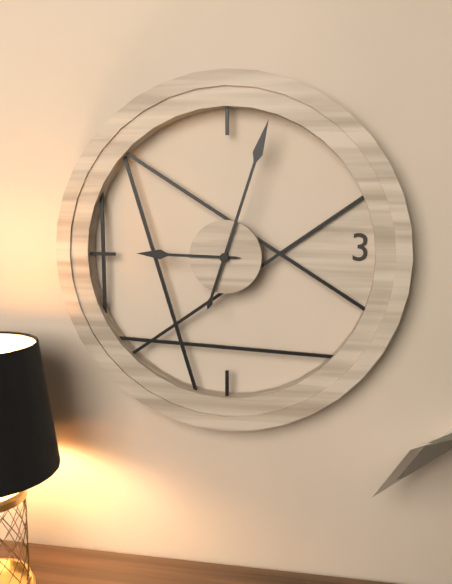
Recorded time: 9:03
